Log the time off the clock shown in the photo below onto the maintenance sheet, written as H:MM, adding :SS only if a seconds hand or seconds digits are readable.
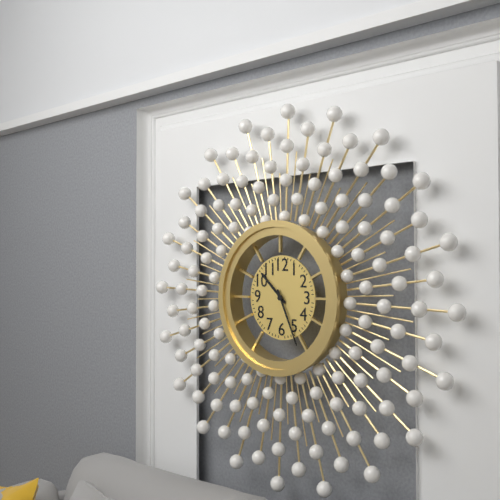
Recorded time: 10:26
